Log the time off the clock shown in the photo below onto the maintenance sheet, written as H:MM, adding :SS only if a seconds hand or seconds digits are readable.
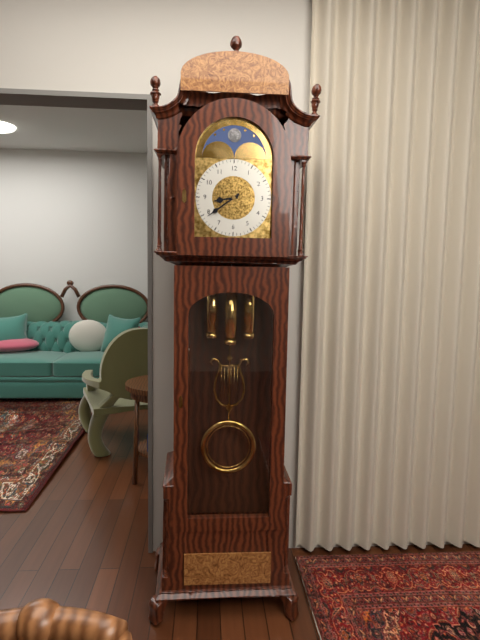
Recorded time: 8:39
